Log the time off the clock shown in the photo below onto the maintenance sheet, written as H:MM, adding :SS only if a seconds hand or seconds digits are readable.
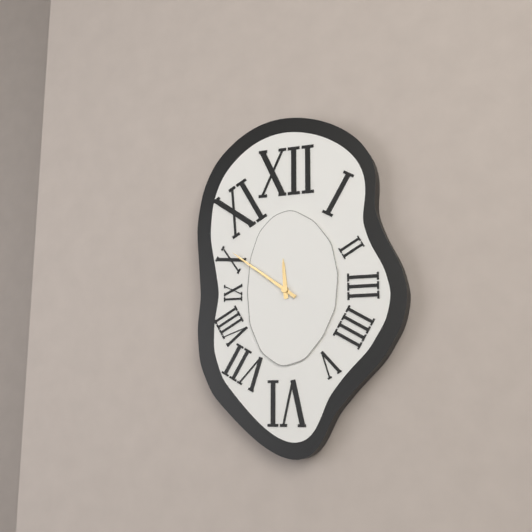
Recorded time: 11:51
